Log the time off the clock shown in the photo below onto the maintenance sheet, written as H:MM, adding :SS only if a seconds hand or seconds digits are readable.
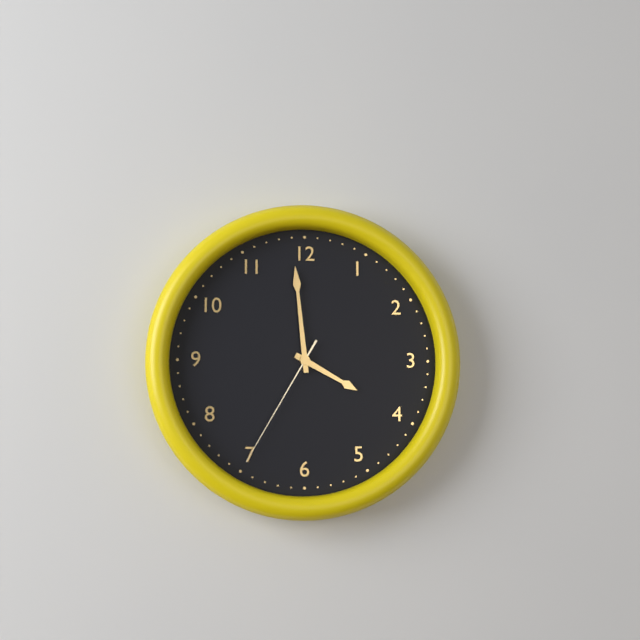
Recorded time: 3:59:35
